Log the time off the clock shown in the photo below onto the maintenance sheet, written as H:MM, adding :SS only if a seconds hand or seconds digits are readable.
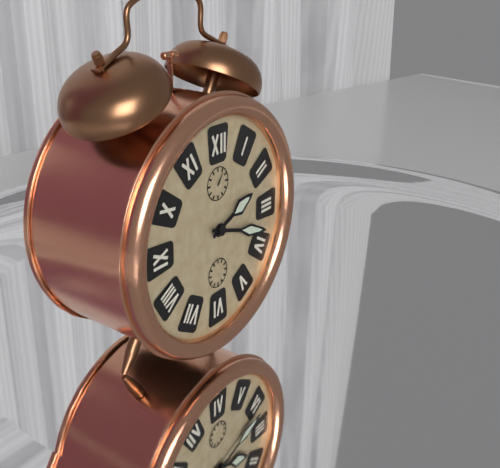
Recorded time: 2:18
